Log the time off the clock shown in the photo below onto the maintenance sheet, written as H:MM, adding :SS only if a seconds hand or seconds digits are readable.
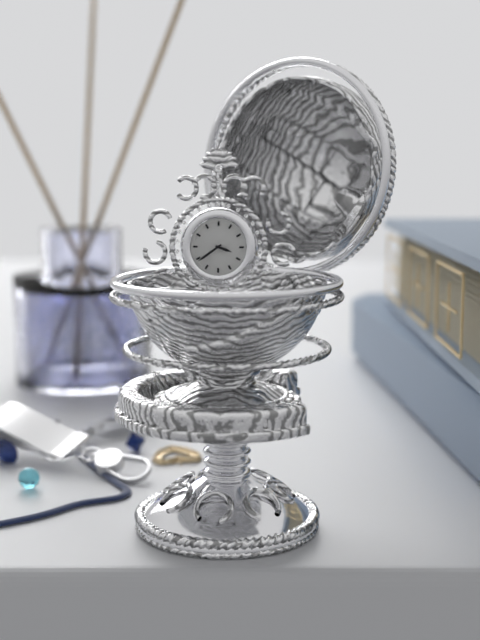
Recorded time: 3:39
